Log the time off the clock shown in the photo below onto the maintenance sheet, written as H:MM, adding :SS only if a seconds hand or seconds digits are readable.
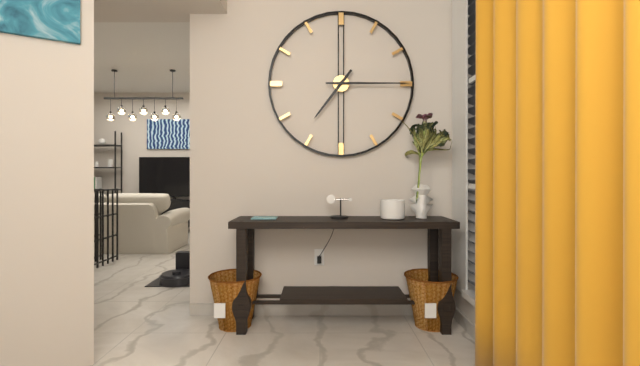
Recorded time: 7:15
